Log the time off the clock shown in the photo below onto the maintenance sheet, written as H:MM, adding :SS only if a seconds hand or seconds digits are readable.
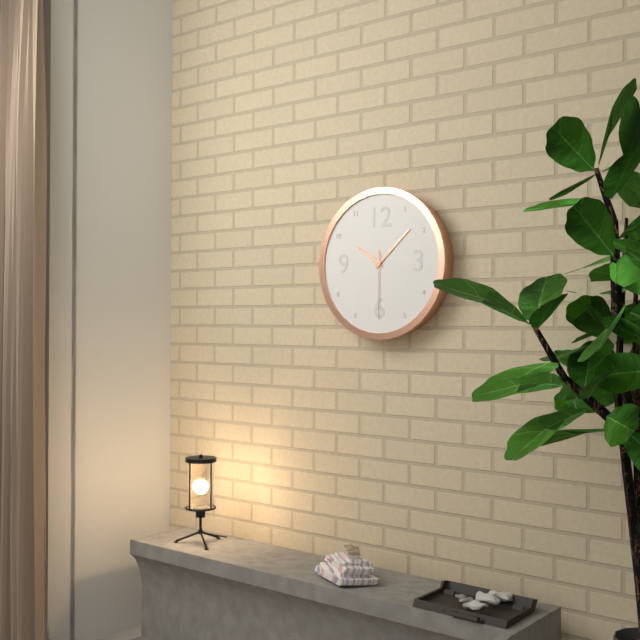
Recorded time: 10:08:30
